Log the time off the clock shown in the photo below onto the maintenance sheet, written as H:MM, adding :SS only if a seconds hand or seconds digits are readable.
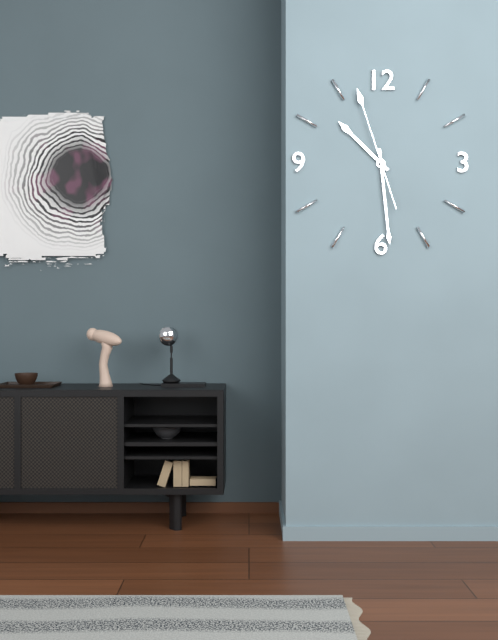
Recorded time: 10:29:57
